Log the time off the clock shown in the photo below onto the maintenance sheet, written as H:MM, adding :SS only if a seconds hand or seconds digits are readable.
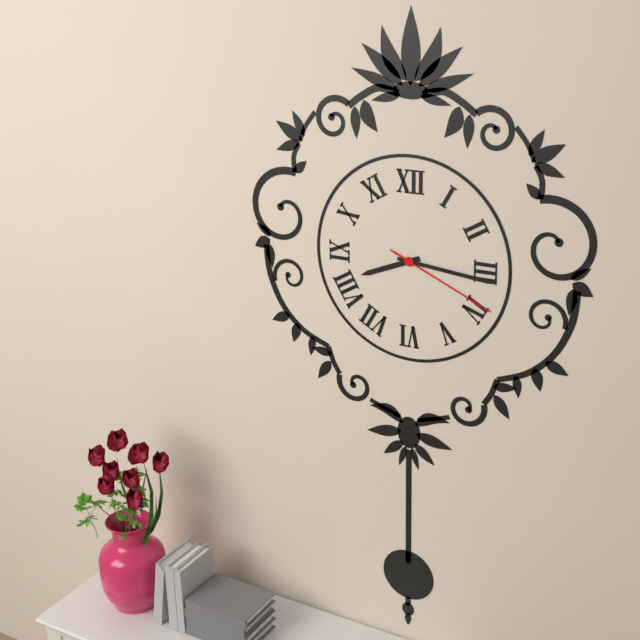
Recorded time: 8:16:19
